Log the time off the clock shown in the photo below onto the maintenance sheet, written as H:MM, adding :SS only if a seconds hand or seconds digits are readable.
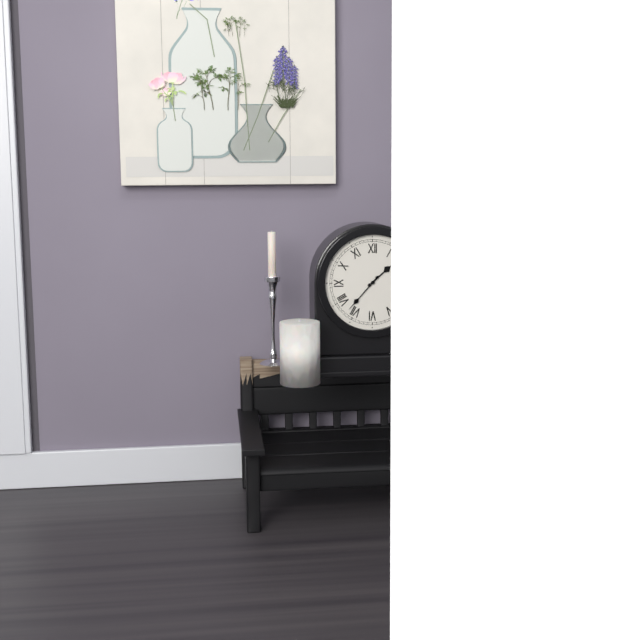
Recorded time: 1:37
